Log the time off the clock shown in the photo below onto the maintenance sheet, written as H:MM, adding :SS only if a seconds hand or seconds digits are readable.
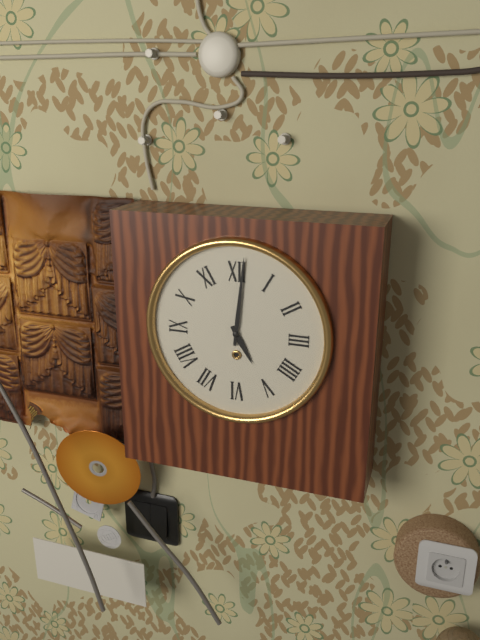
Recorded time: 5:01
